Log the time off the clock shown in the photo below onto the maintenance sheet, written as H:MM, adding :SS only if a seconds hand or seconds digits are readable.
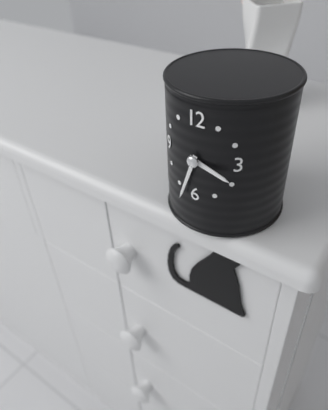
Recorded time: 3:33
